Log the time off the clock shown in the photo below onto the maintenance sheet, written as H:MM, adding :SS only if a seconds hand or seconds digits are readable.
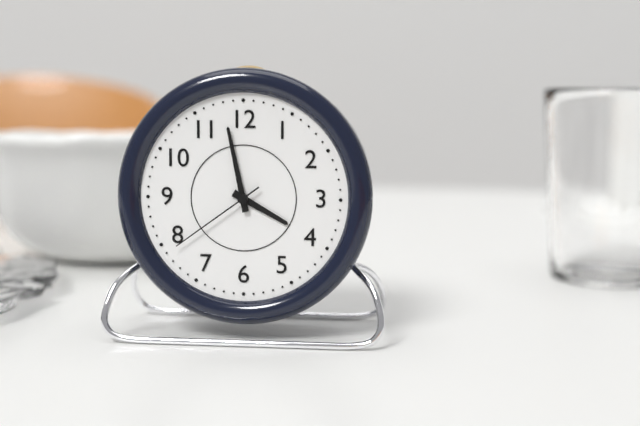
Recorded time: 3:58:39
